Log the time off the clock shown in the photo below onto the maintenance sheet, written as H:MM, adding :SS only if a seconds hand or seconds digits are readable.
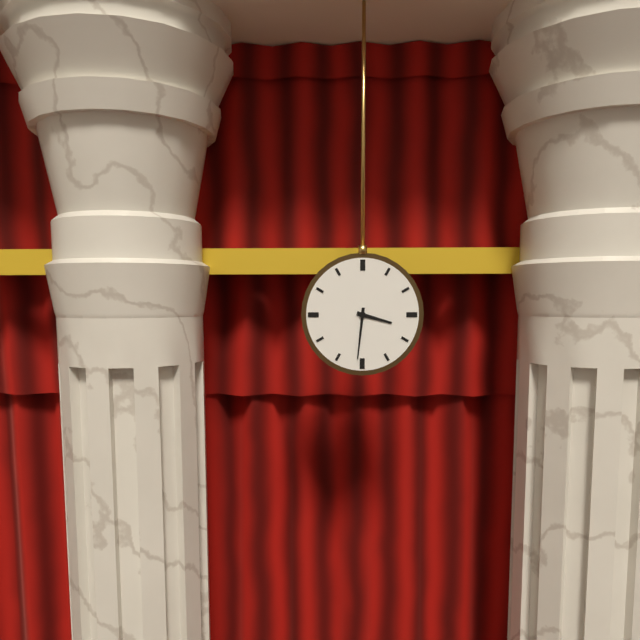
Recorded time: 3:31
